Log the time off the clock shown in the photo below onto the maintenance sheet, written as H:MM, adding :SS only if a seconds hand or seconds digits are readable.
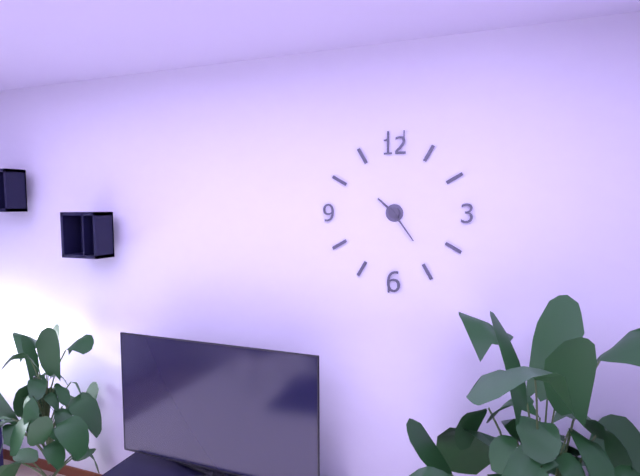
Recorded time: 10:24
